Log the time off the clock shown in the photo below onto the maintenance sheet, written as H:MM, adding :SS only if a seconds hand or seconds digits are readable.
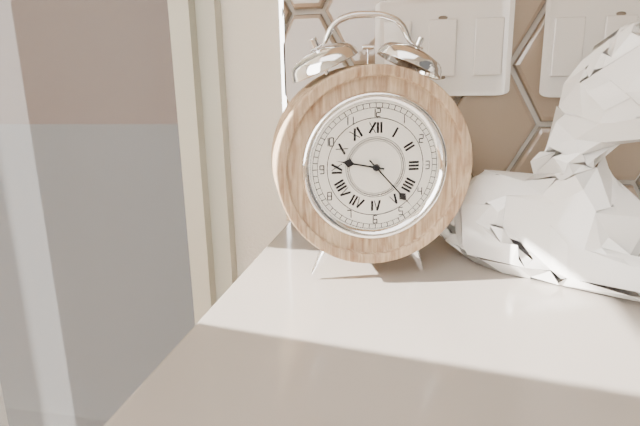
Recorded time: 9:23
